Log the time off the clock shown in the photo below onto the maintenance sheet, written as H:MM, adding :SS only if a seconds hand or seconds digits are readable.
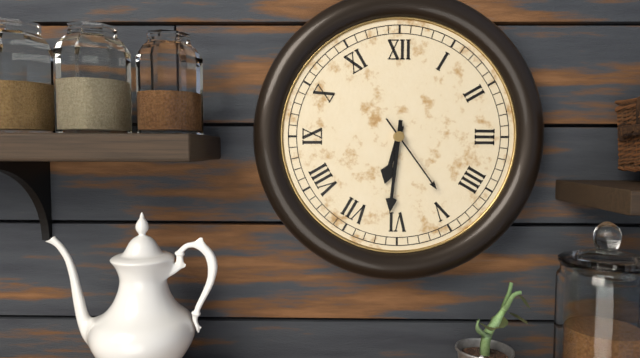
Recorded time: 6:31:24
